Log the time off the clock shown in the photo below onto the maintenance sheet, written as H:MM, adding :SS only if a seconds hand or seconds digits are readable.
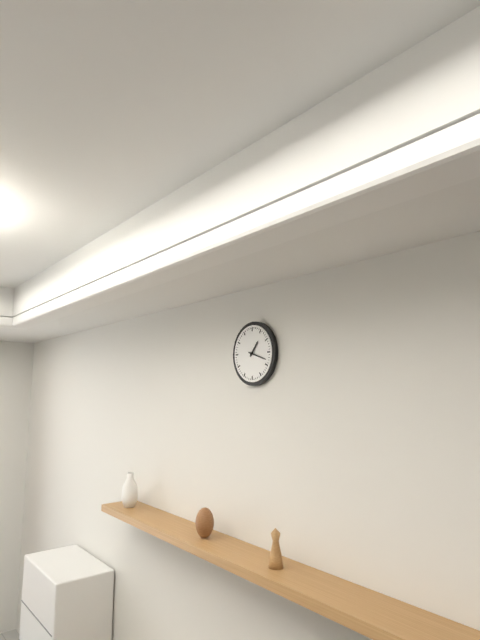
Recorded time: 1:18
